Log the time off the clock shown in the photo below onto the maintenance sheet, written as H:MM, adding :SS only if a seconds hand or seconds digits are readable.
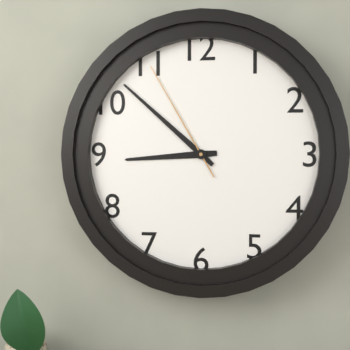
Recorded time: 8:52:55
